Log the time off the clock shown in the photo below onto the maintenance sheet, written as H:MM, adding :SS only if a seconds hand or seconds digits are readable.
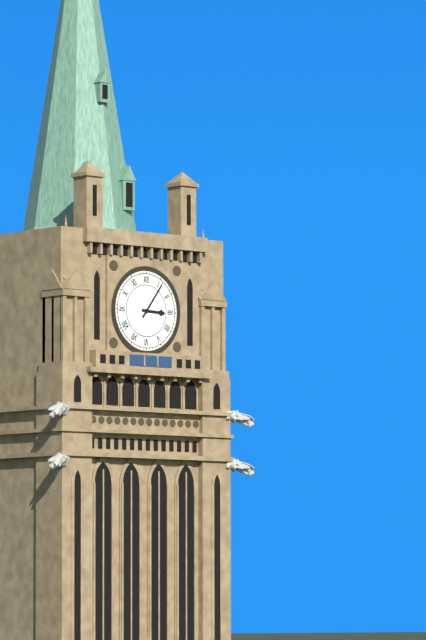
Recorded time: 3:06
